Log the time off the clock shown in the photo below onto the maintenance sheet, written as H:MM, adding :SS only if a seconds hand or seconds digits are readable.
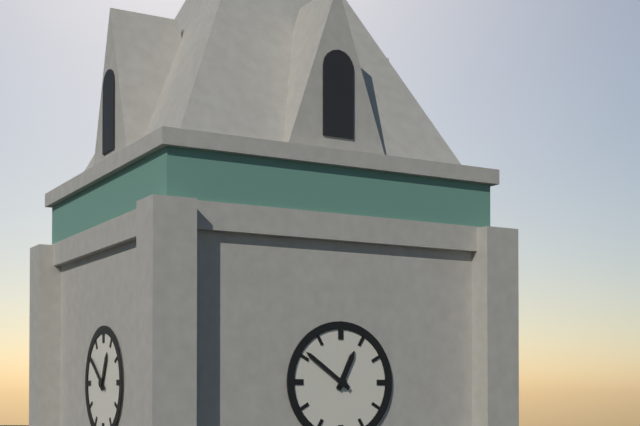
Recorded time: 12:51
